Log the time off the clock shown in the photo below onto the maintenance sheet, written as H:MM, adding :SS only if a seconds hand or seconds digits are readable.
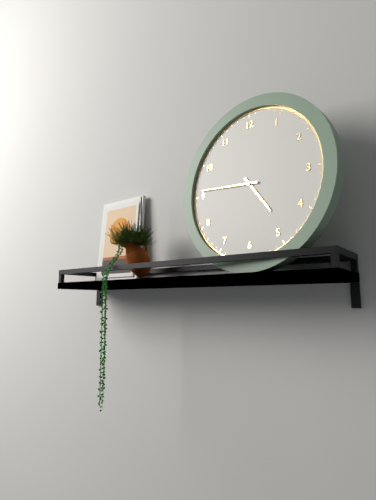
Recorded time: 4:46
